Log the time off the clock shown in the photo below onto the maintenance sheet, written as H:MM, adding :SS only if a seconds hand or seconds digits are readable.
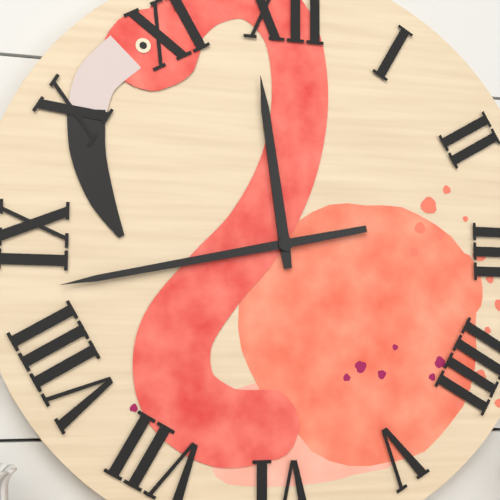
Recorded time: 11:43
